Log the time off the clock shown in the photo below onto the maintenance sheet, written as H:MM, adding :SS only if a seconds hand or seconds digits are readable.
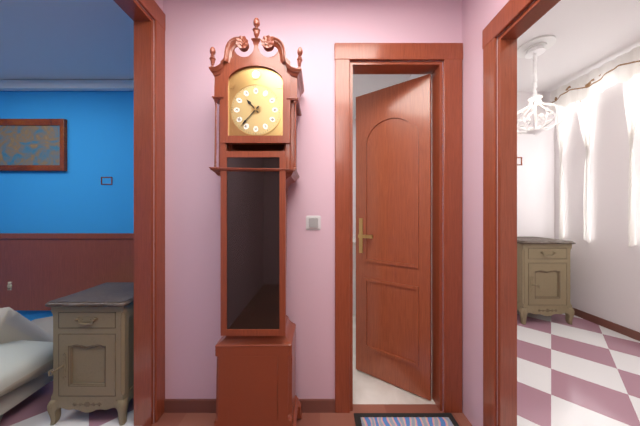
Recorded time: 10:37
